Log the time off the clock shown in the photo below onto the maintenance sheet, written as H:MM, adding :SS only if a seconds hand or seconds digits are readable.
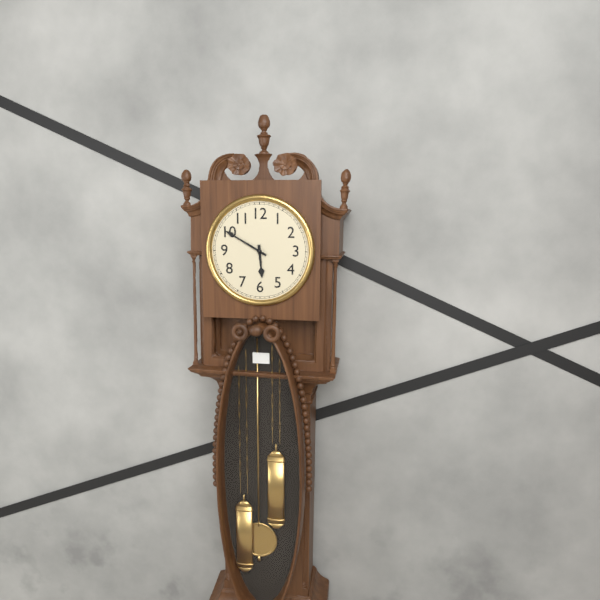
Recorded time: 5:50
